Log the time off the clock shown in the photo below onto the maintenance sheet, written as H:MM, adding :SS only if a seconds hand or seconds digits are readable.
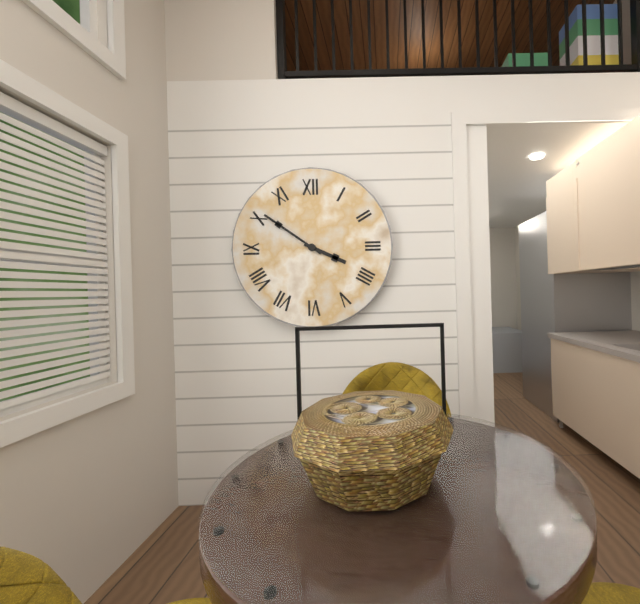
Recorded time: 3:51
